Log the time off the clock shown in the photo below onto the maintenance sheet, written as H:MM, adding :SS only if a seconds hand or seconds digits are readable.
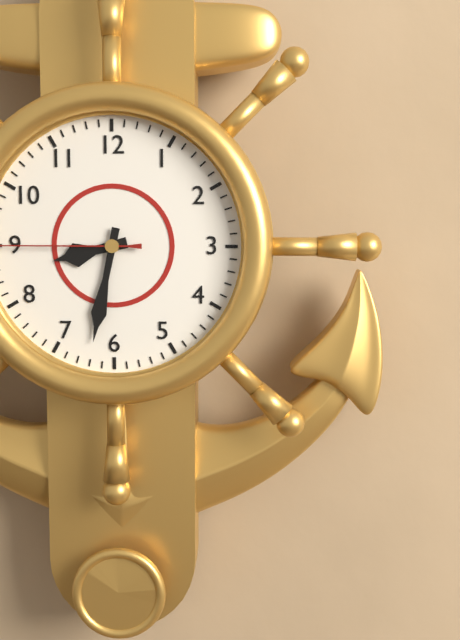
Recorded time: 8:32
